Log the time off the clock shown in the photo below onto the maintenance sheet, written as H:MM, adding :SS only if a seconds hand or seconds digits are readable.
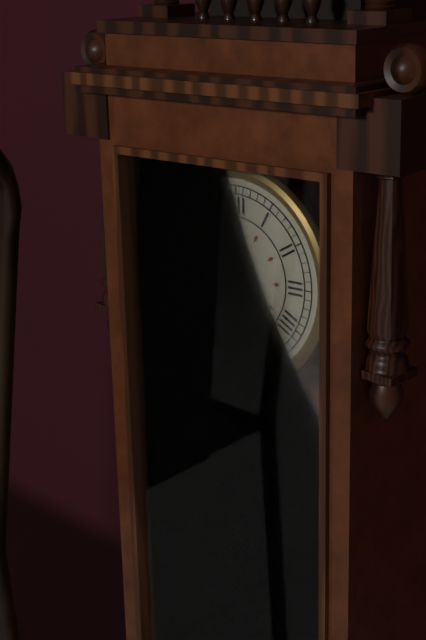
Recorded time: 10:57
